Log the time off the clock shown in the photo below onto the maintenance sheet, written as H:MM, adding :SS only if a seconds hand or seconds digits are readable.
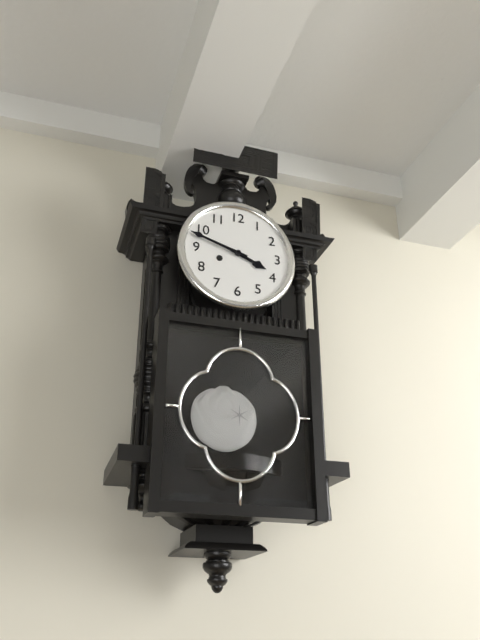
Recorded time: 3:48
